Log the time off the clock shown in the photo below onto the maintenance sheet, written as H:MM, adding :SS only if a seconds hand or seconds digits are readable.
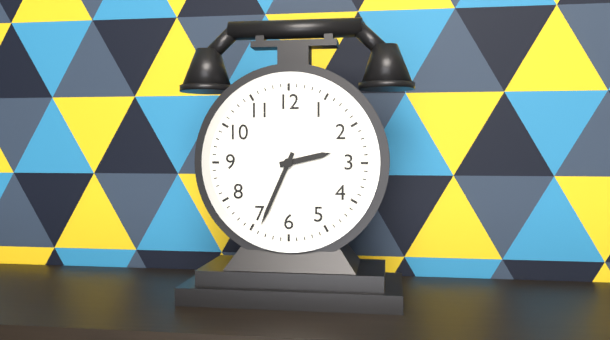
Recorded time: 2:34
